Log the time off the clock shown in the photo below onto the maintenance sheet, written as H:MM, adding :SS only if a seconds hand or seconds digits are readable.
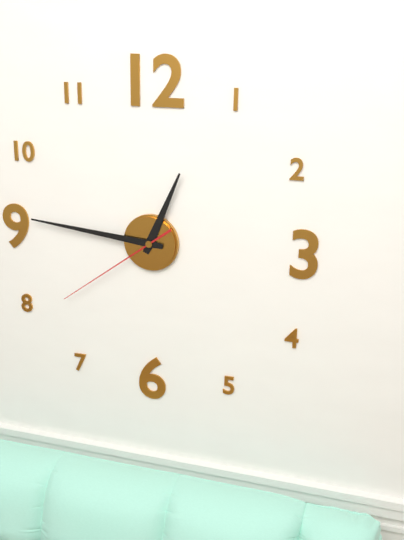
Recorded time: 12:46:39
